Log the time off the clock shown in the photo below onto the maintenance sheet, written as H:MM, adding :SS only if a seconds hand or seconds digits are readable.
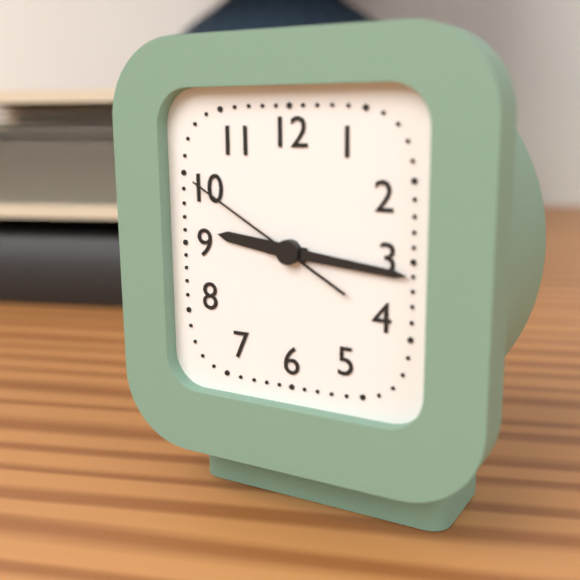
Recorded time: 9:16:50
